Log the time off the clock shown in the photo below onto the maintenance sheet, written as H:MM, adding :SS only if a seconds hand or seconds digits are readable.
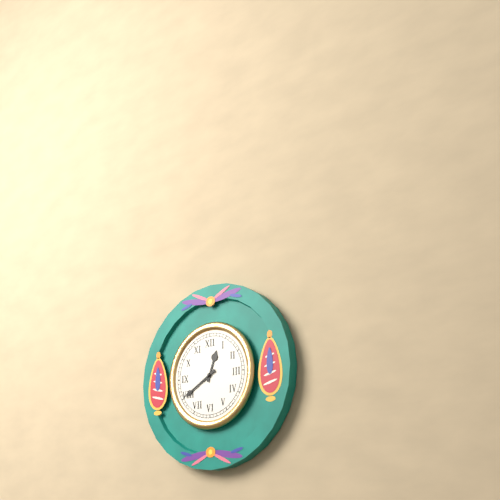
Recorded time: 12:40
